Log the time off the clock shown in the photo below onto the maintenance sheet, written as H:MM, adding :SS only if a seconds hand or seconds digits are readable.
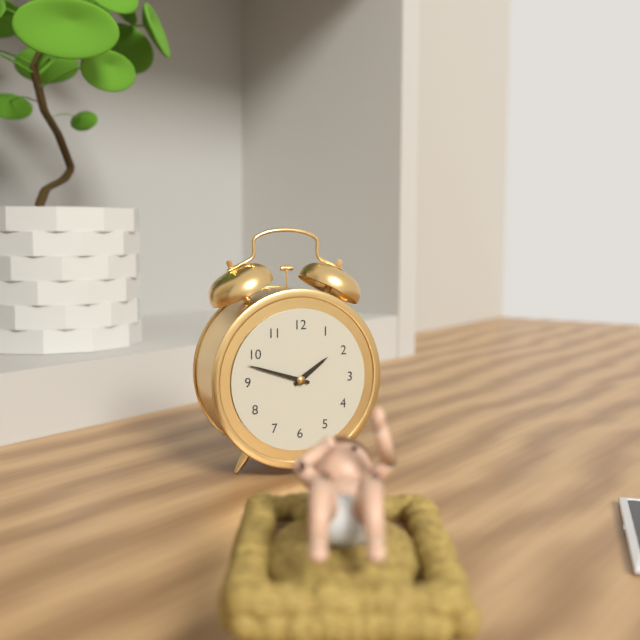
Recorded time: 1:48
